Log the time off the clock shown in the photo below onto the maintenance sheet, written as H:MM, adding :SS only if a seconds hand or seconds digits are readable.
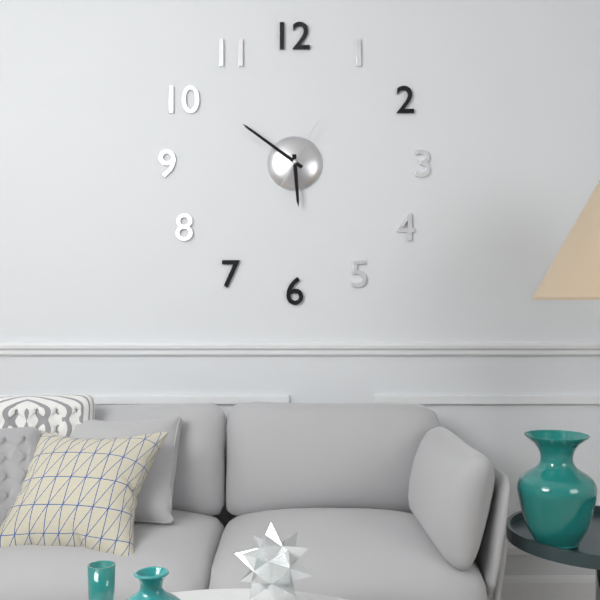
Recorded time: 5:51:05
